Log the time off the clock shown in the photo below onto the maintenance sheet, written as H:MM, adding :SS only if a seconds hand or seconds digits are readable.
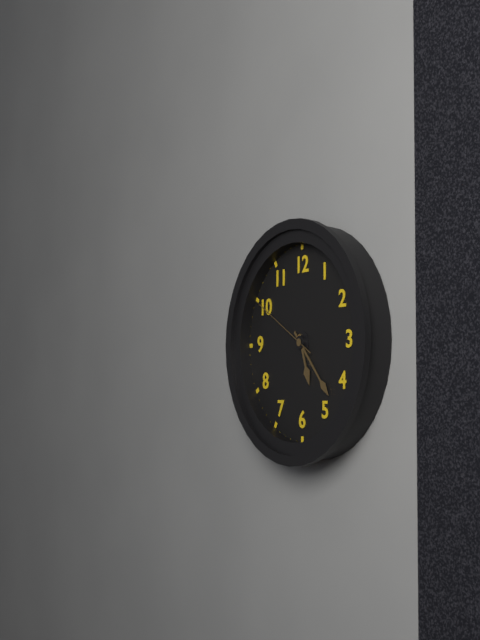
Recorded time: 5:23:50
